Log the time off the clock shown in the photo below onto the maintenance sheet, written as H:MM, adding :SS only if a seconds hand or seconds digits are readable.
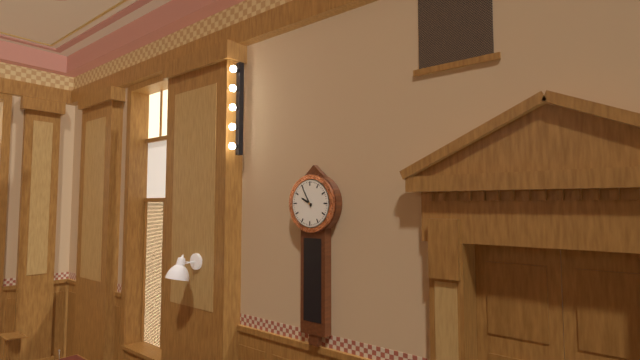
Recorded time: 9:55
